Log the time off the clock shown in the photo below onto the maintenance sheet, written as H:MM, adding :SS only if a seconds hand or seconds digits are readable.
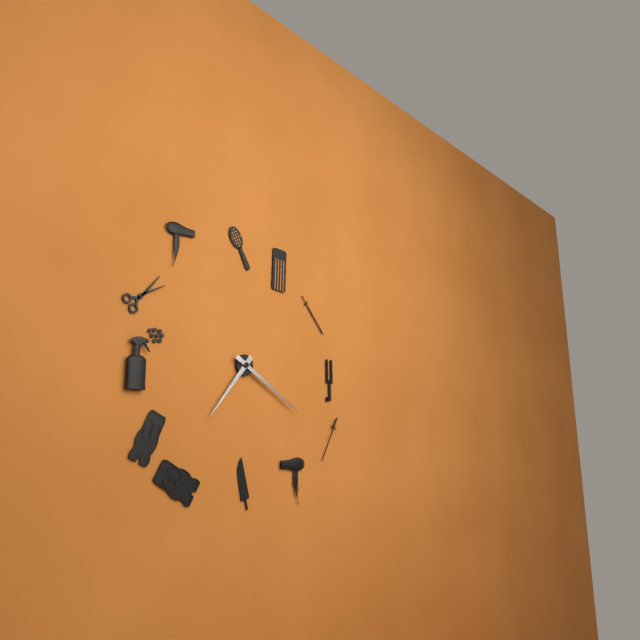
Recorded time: 7:20
